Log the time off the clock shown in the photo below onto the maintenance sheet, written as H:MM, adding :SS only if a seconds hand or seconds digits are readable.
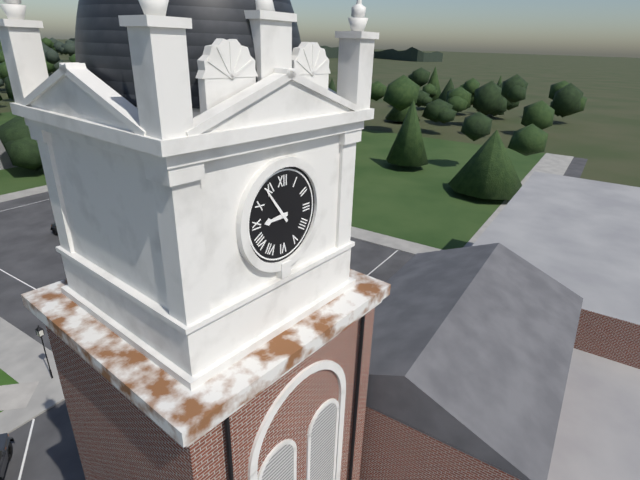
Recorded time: 8:54
